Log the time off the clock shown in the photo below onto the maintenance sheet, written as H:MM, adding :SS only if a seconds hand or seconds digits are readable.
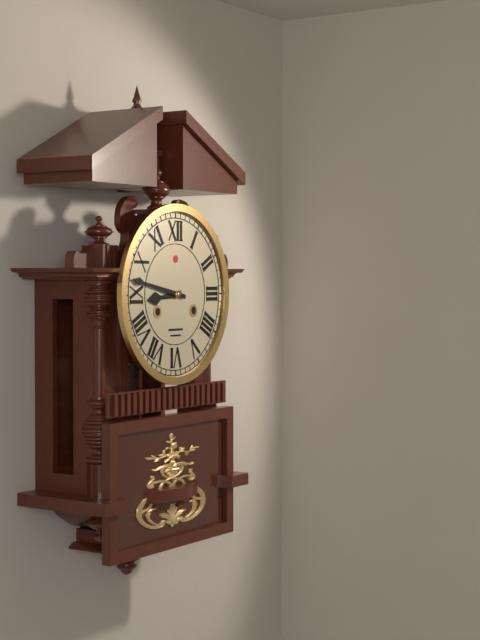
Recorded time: 8:47
